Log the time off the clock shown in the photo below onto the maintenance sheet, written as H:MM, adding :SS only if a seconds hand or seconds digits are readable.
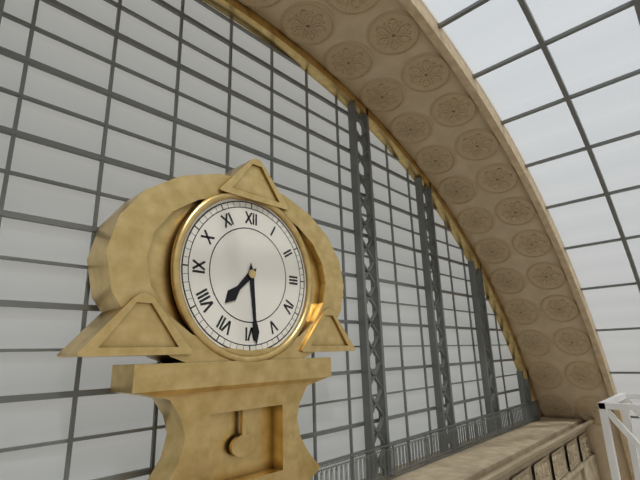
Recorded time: 7:29
